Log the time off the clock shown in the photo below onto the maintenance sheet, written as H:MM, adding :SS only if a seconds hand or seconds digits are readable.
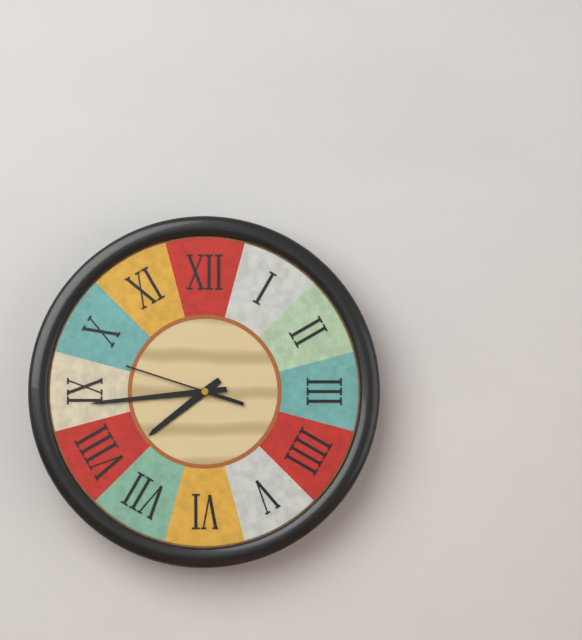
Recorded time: 7:44:48
